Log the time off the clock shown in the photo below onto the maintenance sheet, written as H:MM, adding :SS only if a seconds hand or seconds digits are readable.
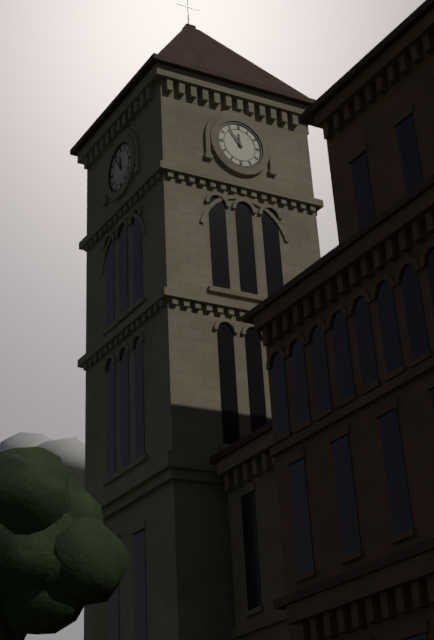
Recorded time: 11:54
